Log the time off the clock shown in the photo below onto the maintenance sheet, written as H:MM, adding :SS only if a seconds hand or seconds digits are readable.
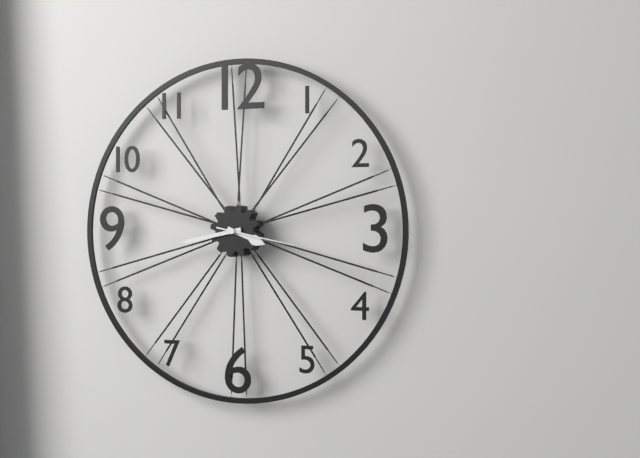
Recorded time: 3:43:17
